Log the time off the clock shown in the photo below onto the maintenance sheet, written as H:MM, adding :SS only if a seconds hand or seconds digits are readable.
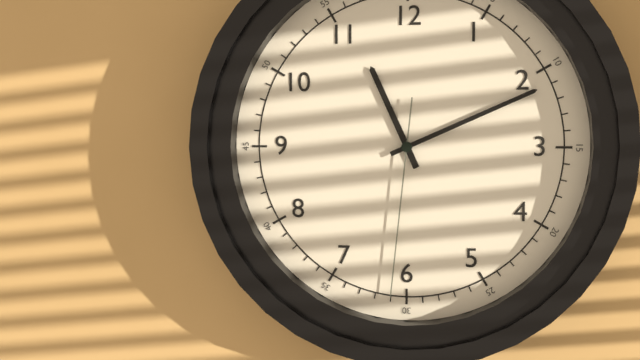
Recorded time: 11:11:31
